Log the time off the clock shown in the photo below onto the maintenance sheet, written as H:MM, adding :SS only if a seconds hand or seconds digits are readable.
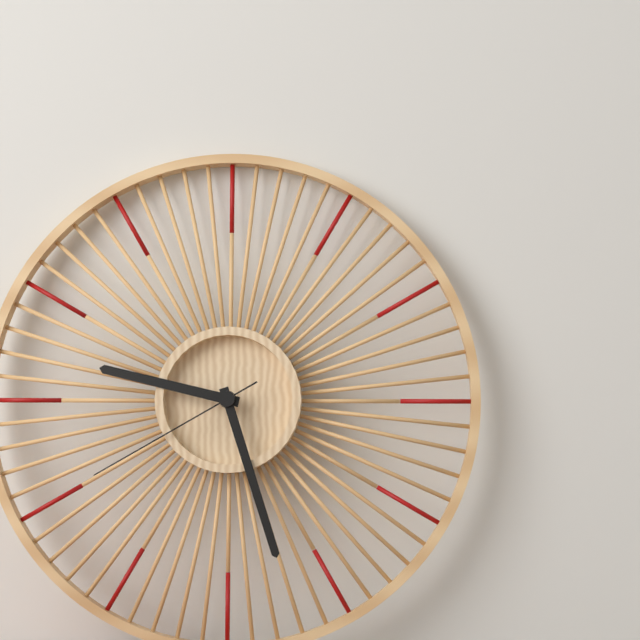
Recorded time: 9:27:40
